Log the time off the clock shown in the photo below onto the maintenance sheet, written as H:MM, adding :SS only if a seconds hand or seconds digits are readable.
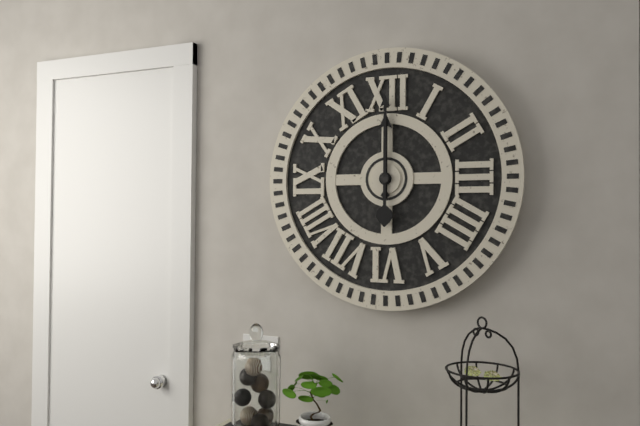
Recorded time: 12:00
